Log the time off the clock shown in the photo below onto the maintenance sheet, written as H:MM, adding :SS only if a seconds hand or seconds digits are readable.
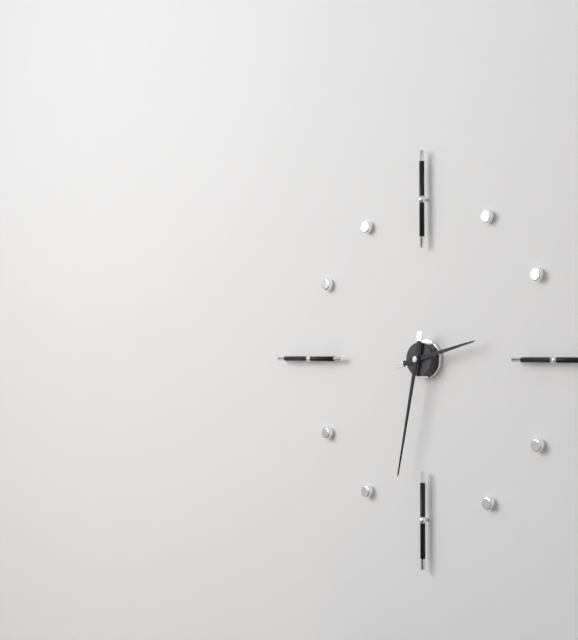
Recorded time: 2:32
